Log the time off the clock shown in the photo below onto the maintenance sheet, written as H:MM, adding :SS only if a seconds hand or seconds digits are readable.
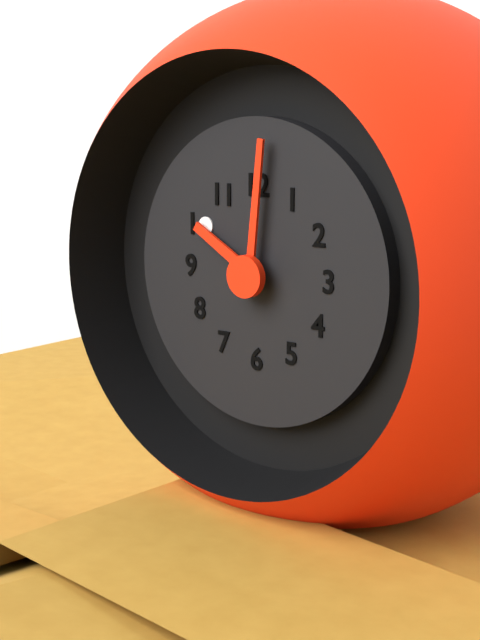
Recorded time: 10:01
